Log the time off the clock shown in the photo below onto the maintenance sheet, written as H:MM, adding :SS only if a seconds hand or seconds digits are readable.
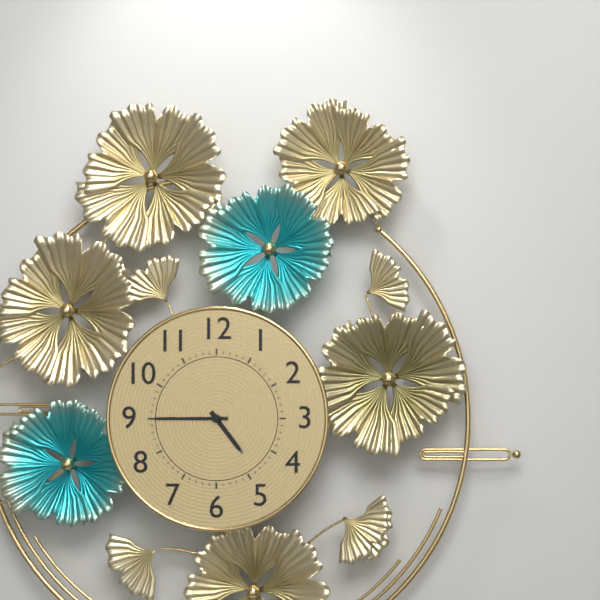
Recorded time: 4:45
